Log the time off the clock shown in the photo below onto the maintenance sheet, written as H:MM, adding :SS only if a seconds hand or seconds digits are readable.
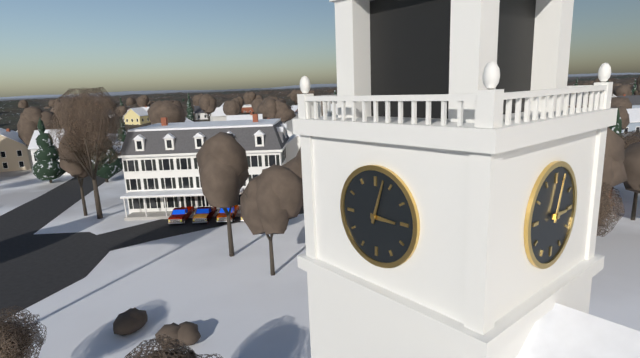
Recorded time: 3:03
